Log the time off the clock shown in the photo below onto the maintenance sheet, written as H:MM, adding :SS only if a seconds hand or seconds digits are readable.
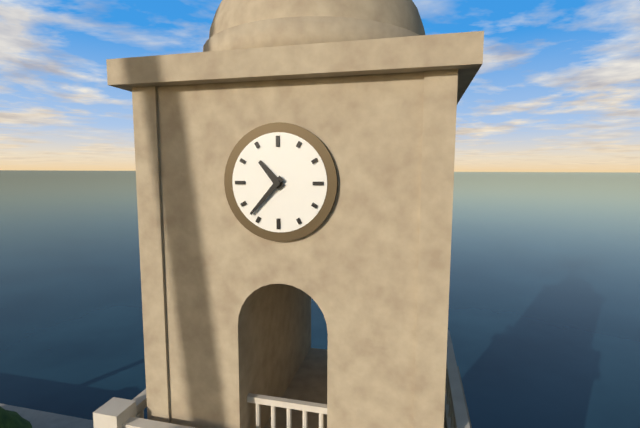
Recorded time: 10:37
